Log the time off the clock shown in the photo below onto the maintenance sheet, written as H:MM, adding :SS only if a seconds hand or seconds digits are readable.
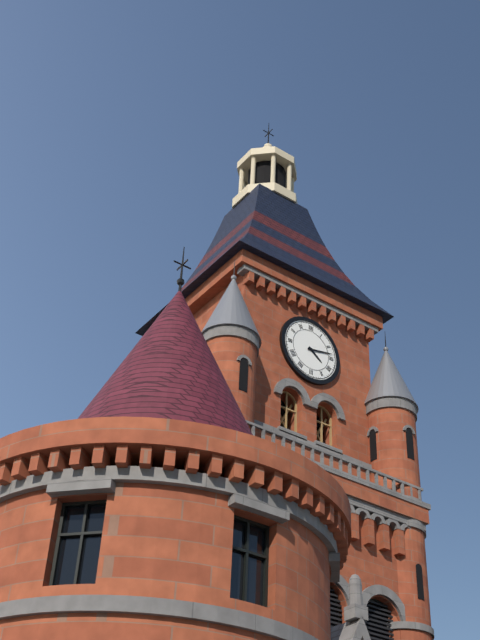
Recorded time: 4:13
